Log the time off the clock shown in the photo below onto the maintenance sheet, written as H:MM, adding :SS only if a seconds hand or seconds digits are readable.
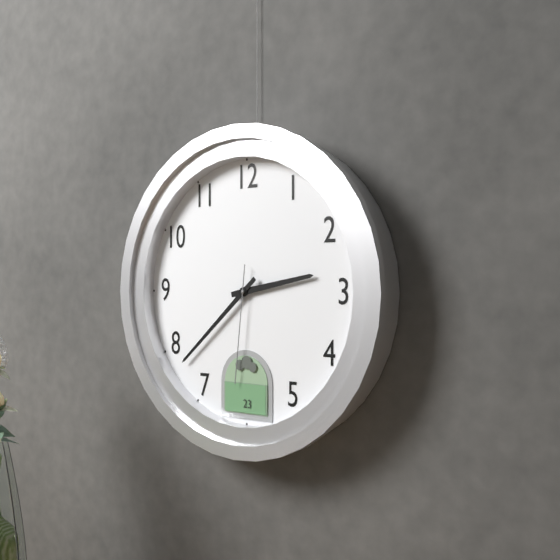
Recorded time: 2:38:31
